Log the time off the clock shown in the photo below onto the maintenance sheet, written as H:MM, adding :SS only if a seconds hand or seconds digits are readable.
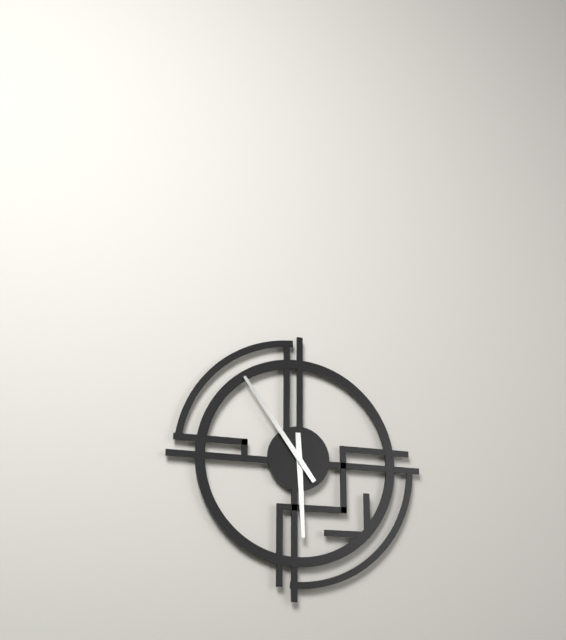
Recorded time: 5:54
